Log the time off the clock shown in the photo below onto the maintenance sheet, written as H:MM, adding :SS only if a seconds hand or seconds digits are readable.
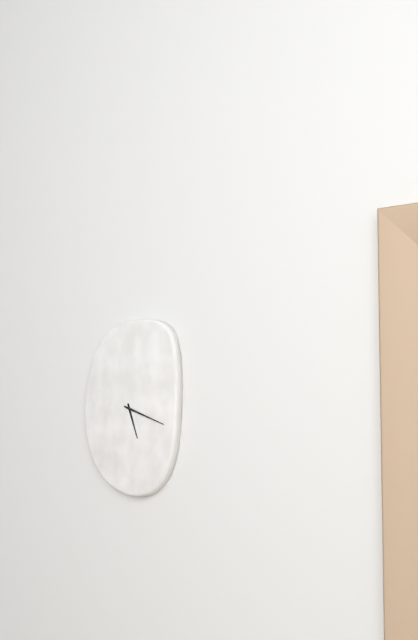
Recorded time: 5:18
